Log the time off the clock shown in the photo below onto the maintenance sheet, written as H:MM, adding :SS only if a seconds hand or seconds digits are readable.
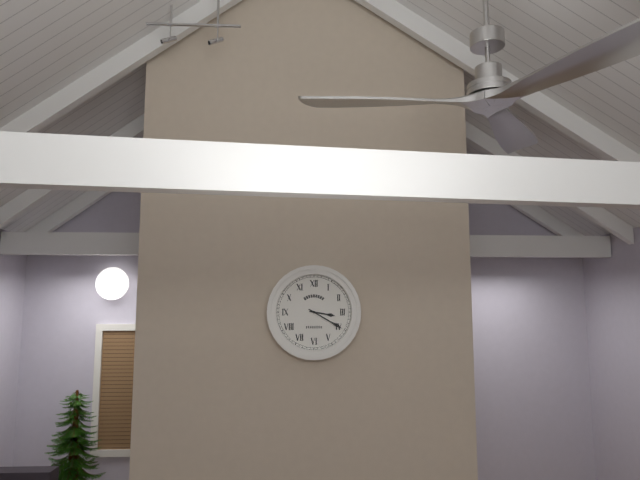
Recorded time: 3:20
